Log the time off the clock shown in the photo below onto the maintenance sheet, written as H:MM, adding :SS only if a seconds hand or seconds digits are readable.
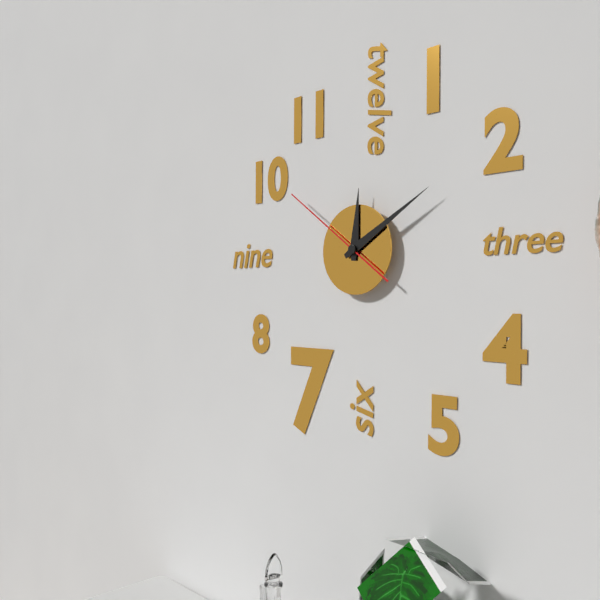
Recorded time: 12:10:51
